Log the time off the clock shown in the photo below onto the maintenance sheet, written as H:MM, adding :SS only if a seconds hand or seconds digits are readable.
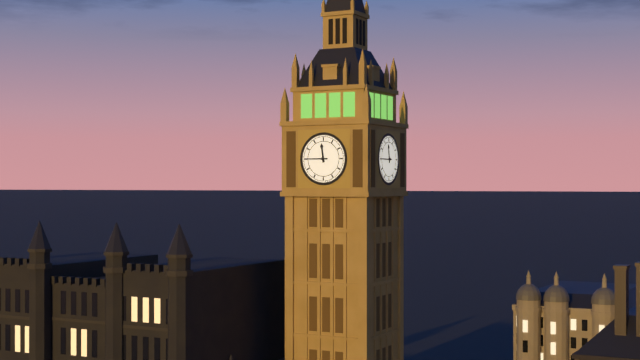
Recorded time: 11:45
